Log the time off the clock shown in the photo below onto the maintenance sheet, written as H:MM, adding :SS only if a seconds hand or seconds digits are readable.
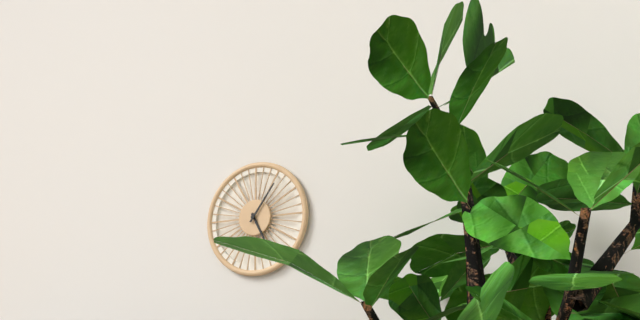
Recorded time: 5:06
